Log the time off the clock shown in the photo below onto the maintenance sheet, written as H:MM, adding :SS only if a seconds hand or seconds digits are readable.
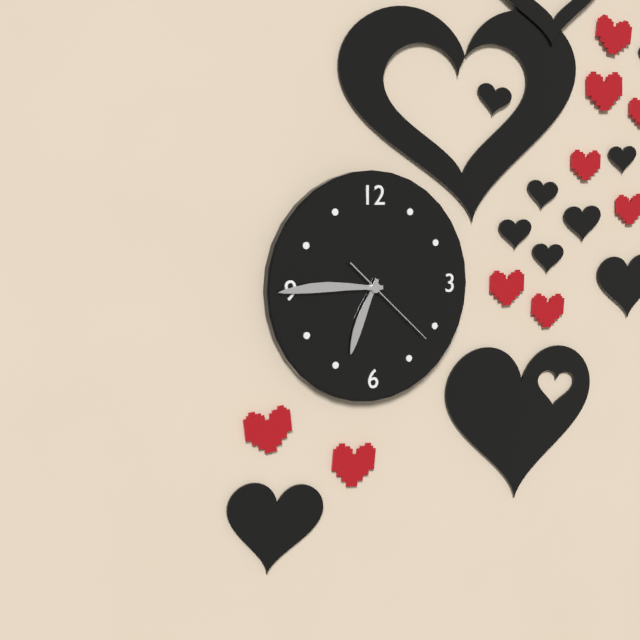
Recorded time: 6:45:22
